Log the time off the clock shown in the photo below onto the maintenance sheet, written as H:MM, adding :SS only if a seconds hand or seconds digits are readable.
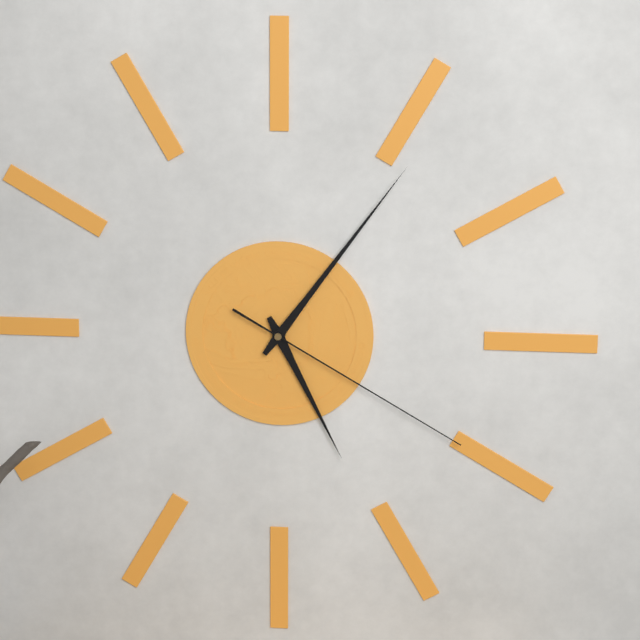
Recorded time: 5:06:20
